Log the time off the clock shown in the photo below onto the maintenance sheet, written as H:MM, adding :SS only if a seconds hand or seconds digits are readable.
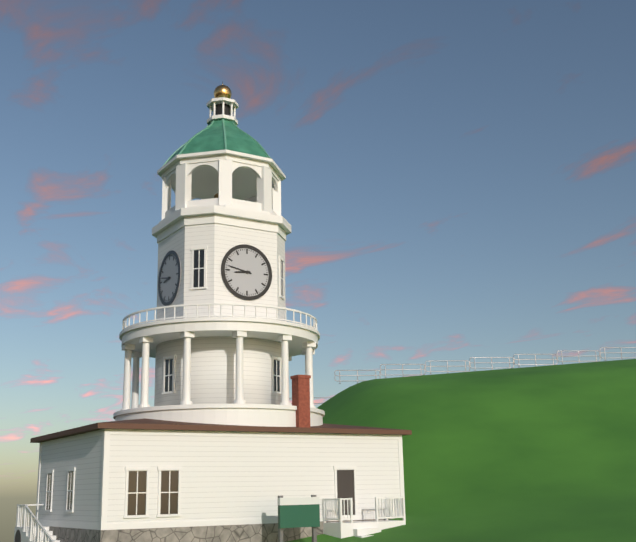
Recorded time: 8:47
